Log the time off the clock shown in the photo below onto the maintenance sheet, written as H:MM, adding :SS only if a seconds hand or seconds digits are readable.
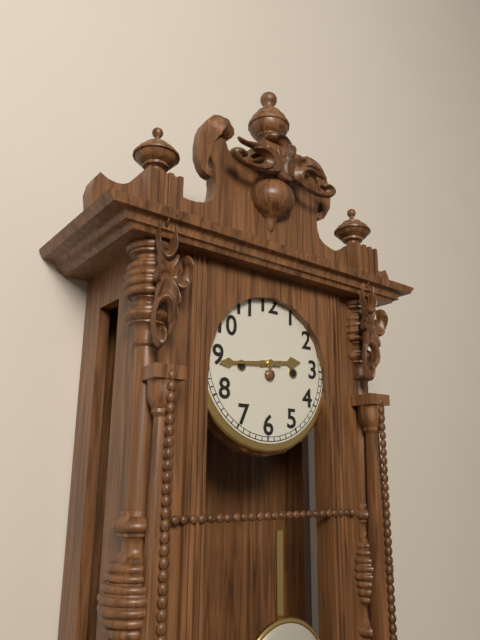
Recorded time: 2:44
